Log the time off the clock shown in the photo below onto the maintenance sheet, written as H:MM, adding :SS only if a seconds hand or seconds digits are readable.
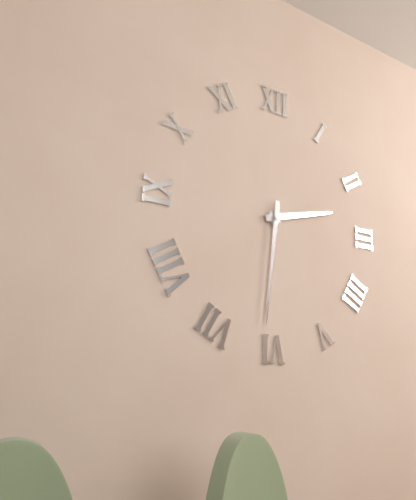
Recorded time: 2:31
